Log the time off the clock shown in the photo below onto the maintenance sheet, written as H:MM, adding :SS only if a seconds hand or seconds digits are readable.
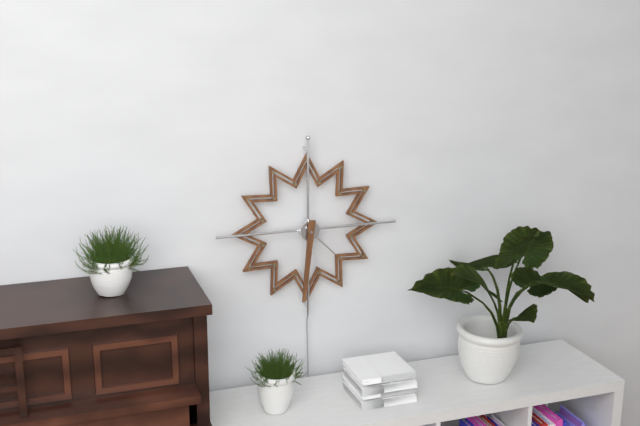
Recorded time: 4:31
